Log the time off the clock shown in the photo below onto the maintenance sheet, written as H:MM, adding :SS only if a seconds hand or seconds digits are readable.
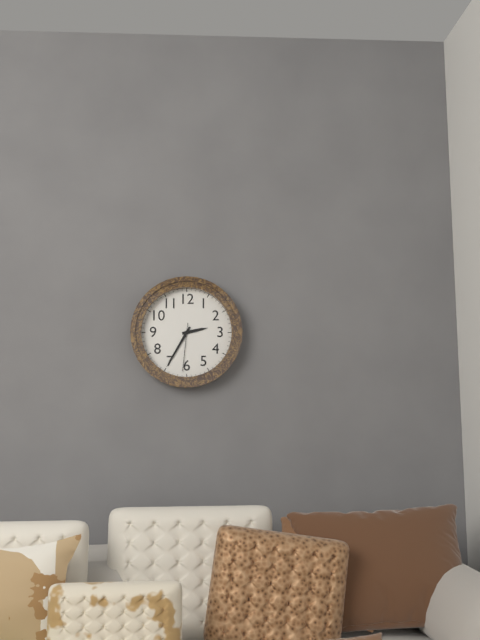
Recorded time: 2:35
